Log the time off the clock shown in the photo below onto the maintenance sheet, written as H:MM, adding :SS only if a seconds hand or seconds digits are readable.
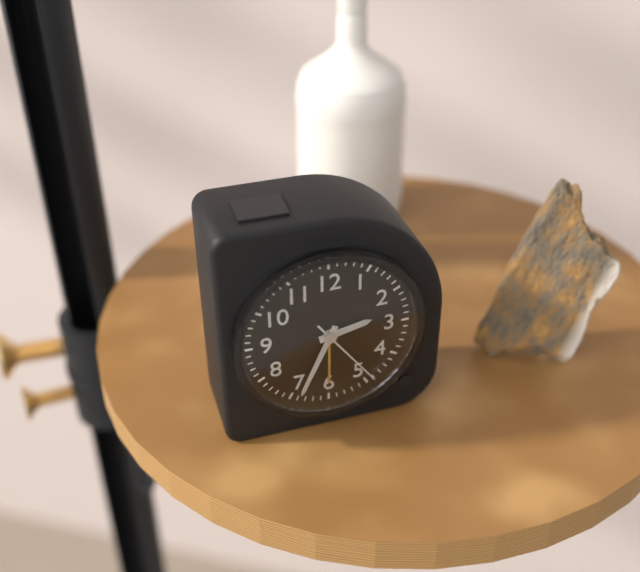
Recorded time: 2:34:24
